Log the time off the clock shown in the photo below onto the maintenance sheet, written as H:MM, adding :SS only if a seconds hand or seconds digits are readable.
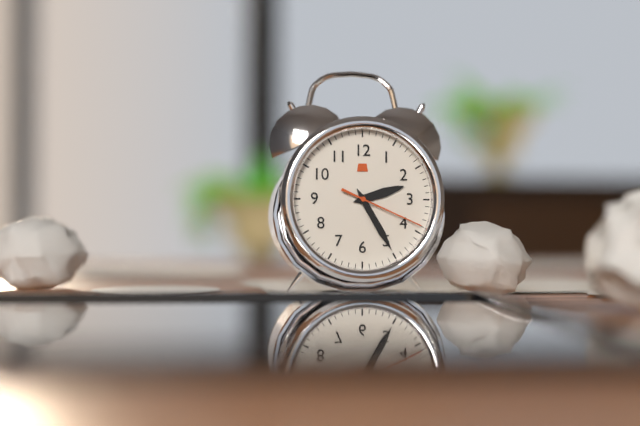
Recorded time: 2:25:19
